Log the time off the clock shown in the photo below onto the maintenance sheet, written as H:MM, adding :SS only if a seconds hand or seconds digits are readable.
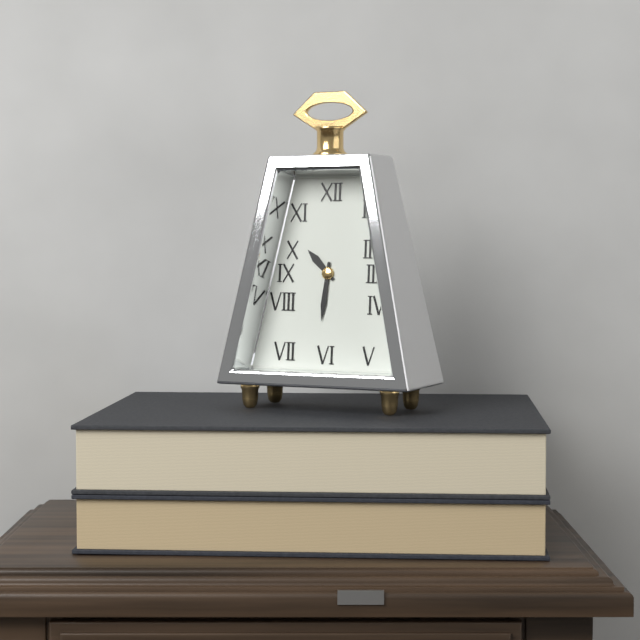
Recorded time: 10:31
